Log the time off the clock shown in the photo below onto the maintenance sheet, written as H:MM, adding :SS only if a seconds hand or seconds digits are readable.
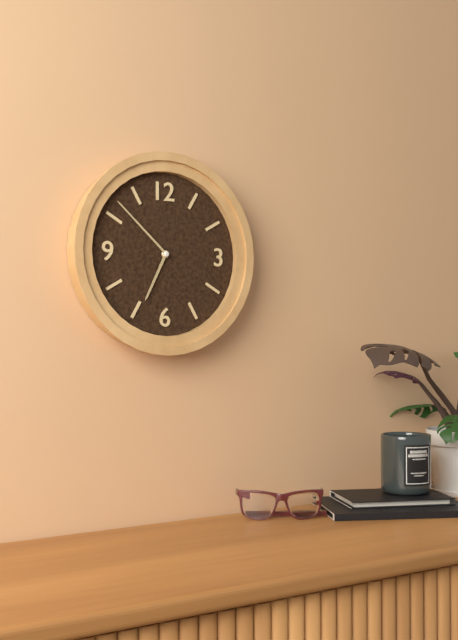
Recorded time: 6:52
